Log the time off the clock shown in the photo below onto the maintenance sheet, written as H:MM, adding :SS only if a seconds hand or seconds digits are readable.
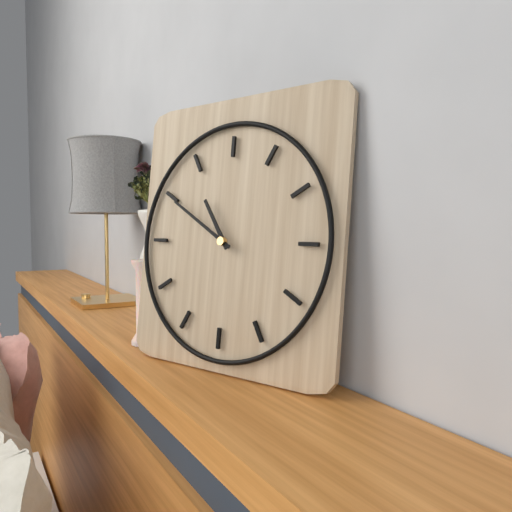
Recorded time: 10:50
